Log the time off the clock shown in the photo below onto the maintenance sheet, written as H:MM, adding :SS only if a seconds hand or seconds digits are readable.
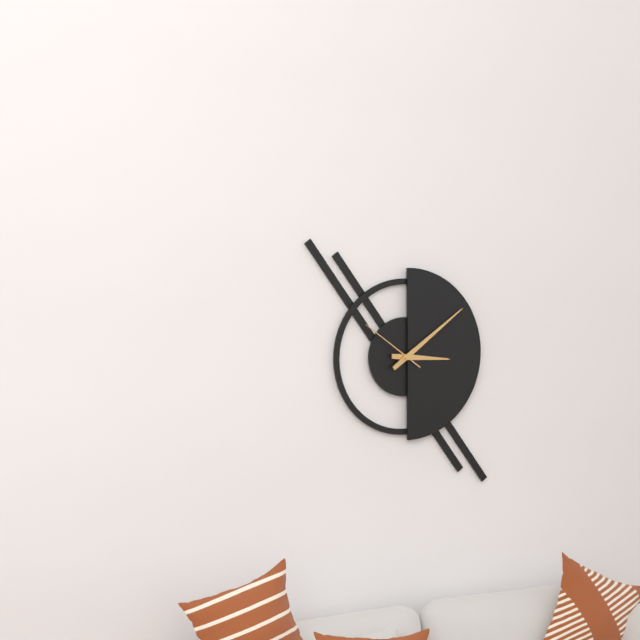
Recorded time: 3:09:51
